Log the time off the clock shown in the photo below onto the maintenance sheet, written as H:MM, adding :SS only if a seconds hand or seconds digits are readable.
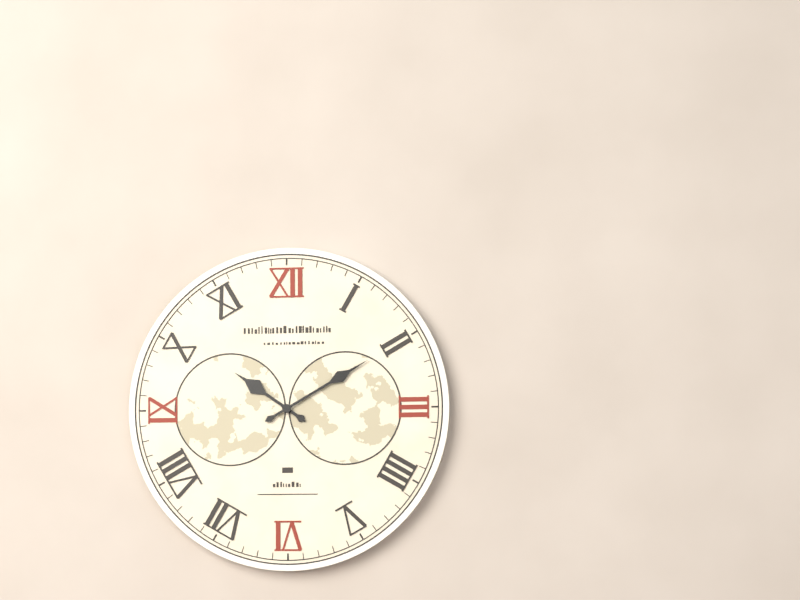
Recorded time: 10:10
